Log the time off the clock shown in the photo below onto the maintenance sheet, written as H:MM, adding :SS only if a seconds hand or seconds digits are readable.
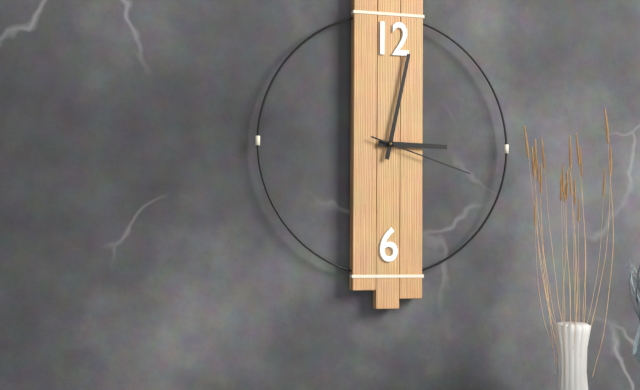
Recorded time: 3:02:18
